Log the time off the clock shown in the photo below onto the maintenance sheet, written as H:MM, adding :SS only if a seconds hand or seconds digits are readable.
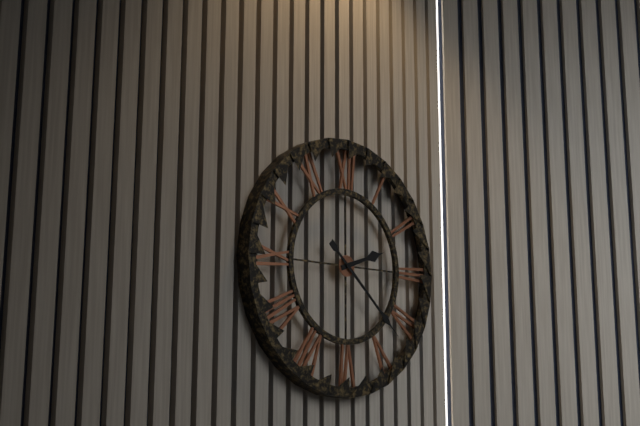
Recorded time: 2:22
